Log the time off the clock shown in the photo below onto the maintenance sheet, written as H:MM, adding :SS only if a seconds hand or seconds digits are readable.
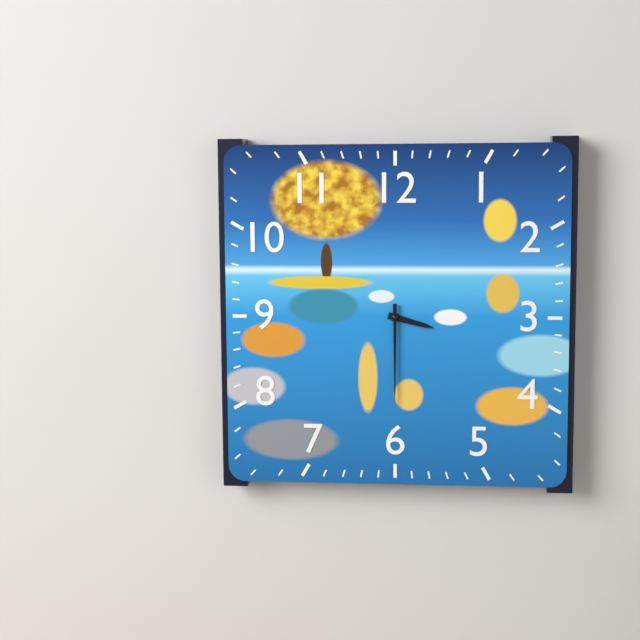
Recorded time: 3:30
